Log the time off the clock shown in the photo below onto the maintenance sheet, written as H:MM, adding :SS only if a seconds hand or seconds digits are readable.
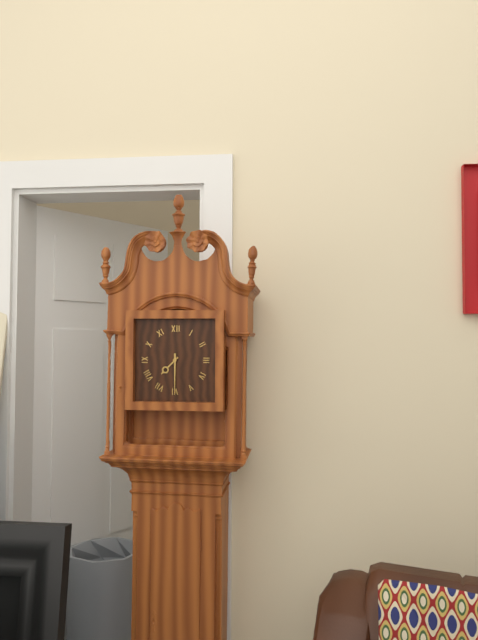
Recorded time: 7:30
